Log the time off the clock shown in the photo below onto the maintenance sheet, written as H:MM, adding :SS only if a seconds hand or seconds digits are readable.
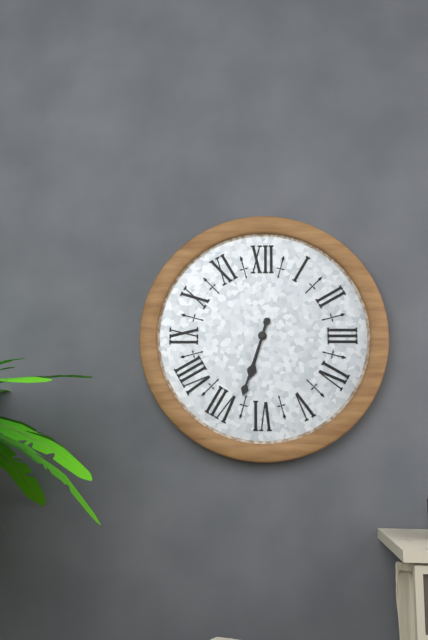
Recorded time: 6:33
